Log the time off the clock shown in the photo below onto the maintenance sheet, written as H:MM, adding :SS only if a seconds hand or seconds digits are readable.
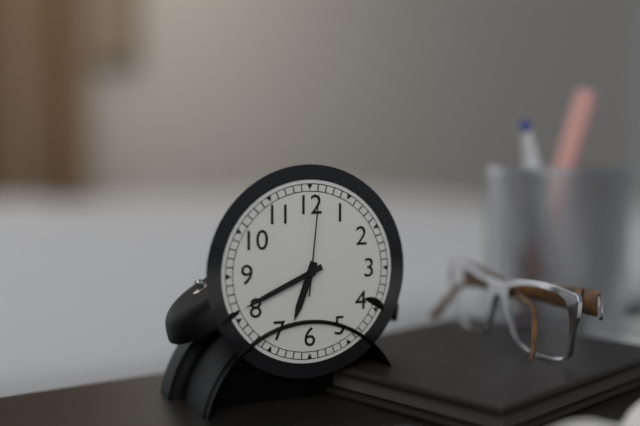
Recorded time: 6:41:01
